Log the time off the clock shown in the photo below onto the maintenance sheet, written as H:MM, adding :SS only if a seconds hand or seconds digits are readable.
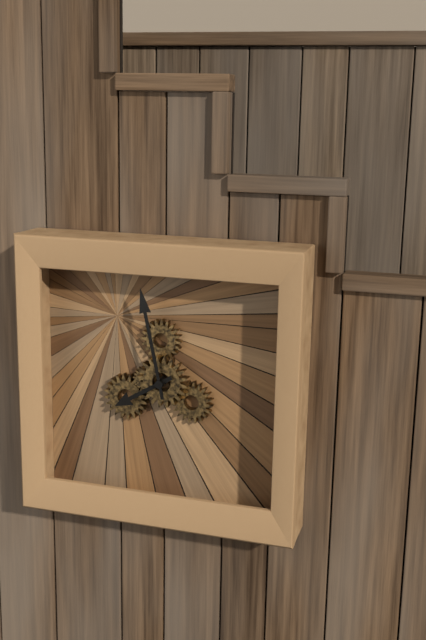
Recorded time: 7:58
